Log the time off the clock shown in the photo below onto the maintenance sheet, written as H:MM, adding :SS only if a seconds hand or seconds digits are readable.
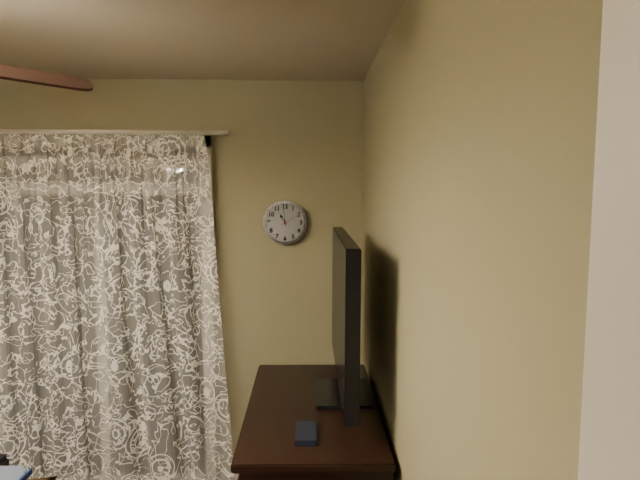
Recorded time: 10:59
